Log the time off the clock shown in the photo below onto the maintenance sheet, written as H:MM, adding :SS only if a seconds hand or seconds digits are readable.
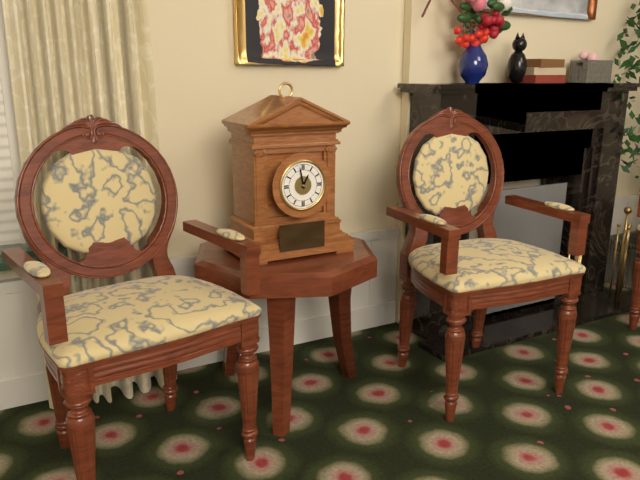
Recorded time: 12:58
